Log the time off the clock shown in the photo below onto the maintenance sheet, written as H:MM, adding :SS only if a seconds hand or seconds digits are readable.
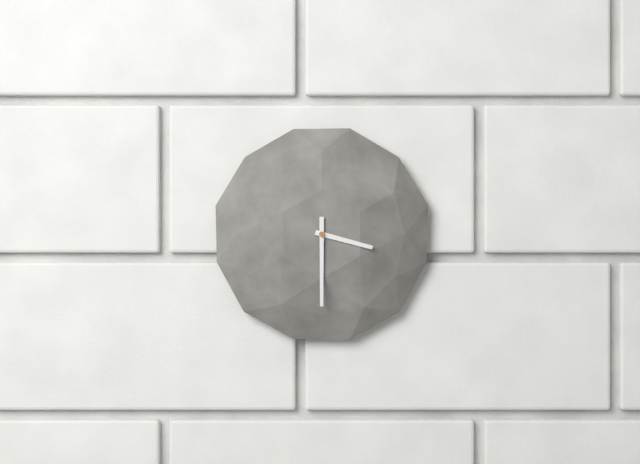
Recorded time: 3:30
